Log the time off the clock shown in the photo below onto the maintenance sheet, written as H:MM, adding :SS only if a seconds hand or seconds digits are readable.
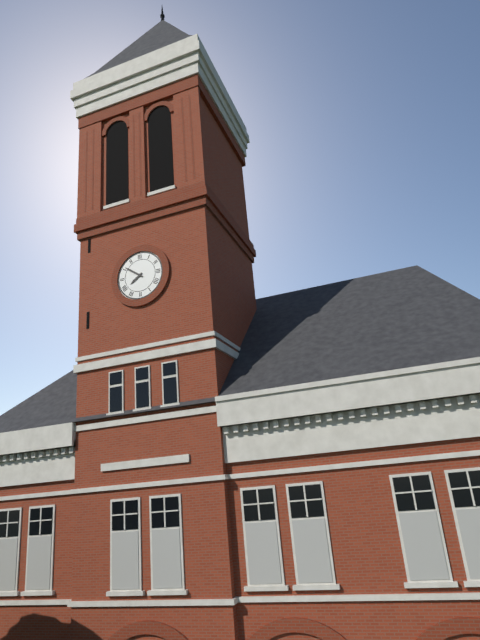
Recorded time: 7:51
